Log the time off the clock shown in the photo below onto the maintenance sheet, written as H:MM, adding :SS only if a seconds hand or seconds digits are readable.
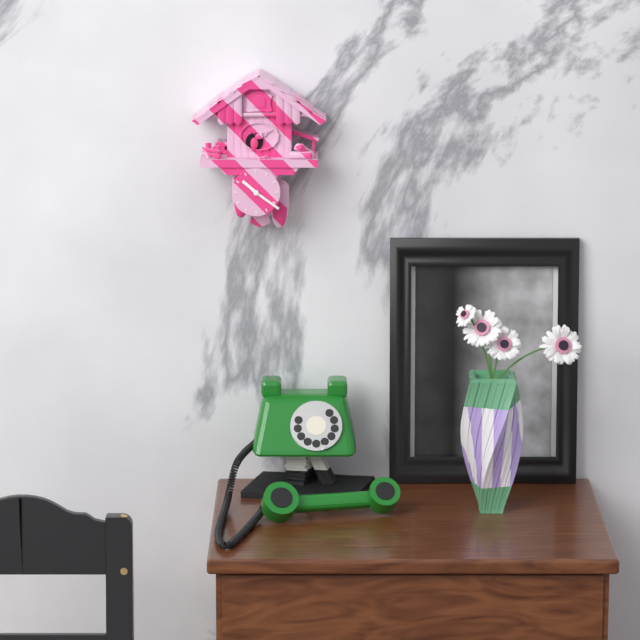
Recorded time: 10:21
